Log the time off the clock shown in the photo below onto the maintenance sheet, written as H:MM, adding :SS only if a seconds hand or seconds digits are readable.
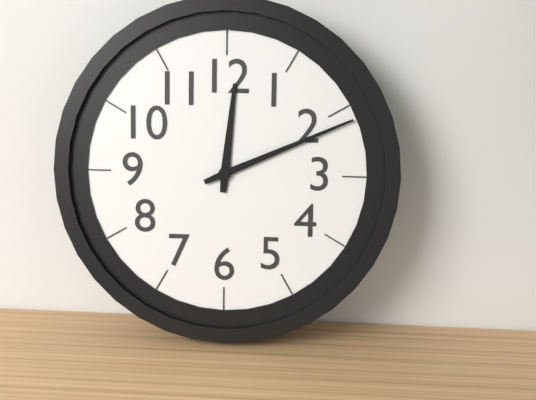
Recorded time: 12:11
